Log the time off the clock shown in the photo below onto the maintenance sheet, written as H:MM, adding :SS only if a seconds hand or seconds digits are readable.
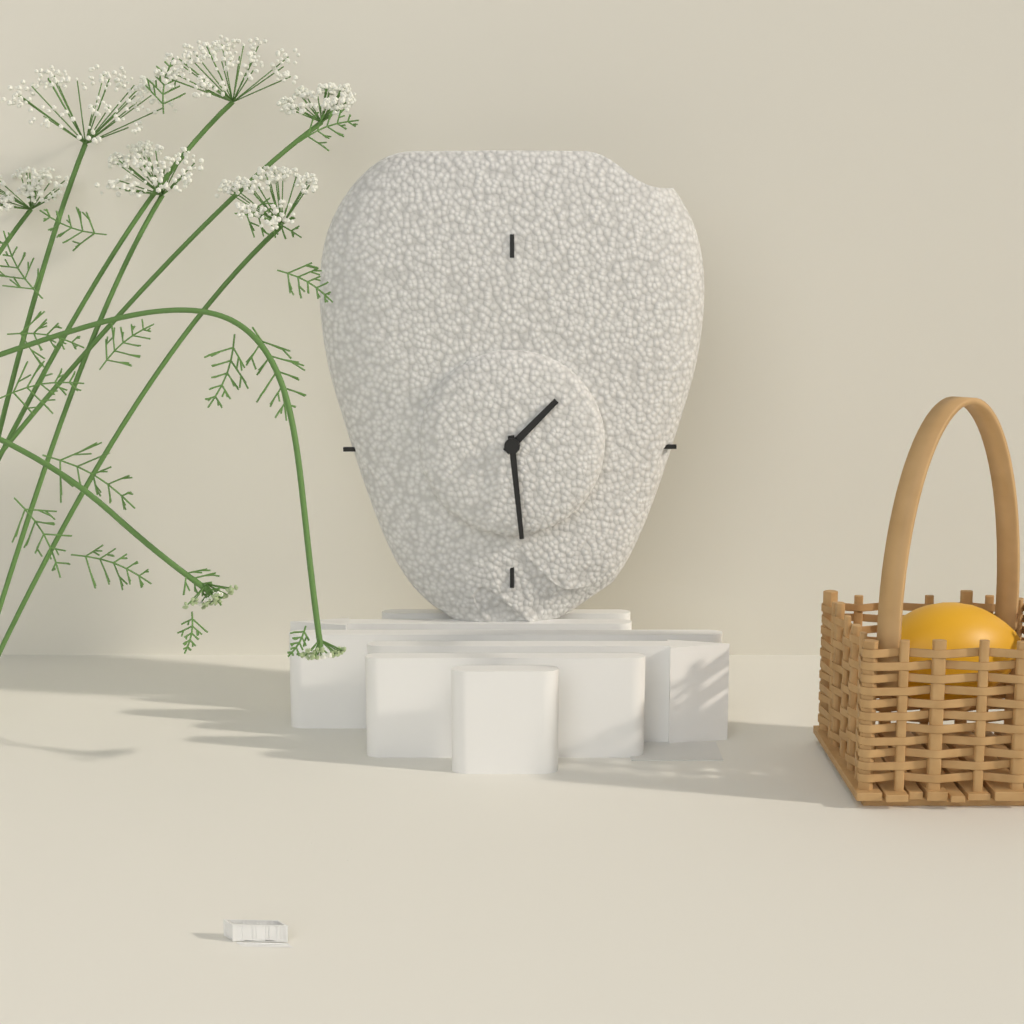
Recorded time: 1:29
